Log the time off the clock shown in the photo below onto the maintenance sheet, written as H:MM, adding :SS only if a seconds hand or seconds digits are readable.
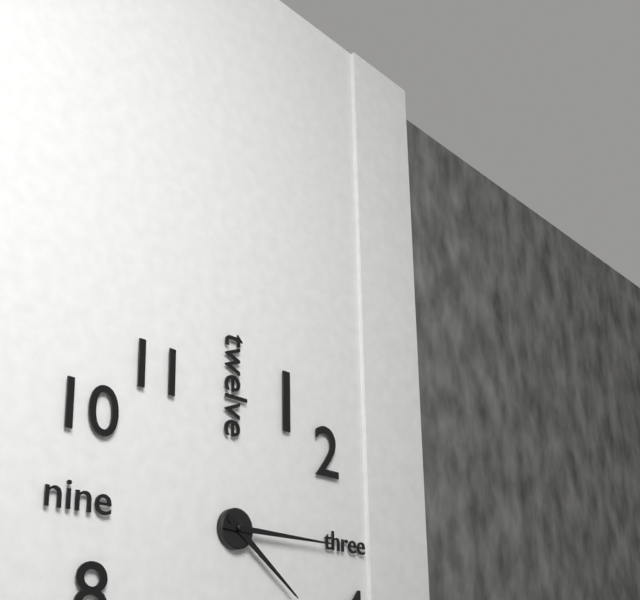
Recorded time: 4:15
